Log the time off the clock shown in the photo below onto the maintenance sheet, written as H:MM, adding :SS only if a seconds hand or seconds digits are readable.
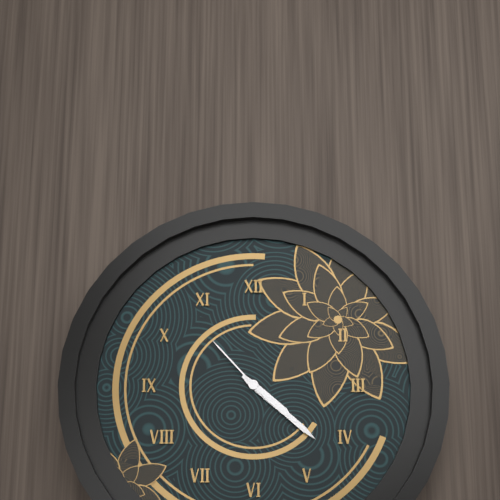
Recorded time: 4:22:53
